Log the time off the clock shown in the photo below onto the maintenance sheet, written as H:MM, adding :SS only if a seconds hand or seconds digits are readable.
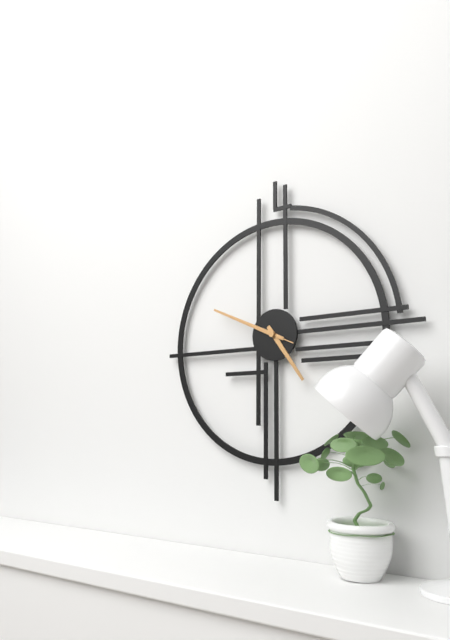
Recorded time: 4:49:49
